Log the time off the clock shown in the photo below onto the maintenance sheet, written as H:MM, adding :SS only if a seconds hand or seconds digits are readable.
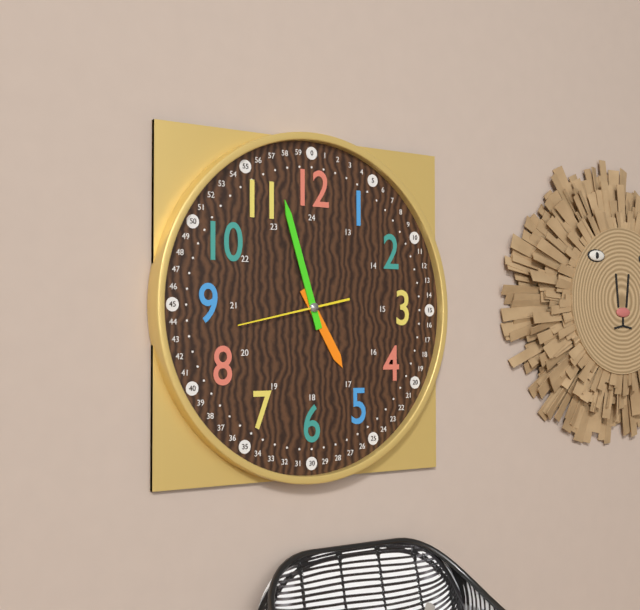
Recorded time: 4:57:43
